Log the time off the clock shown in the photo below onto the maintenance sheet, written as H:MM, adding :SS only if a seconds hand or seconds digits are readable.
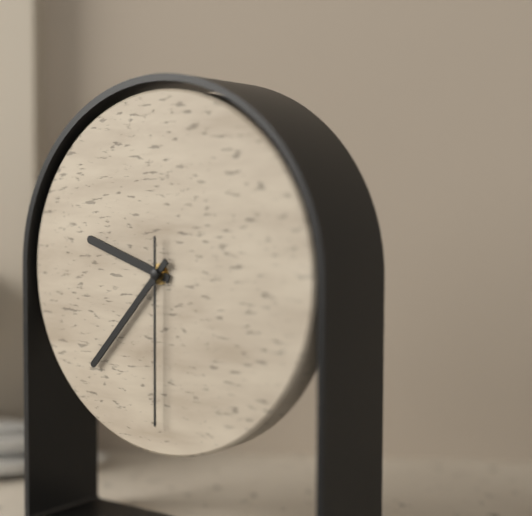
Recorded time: 9:37:30
